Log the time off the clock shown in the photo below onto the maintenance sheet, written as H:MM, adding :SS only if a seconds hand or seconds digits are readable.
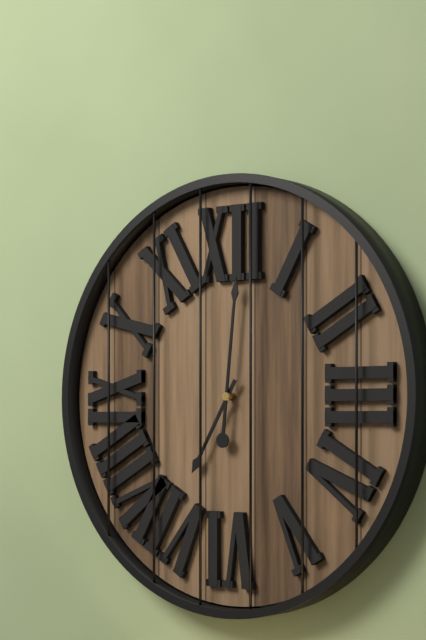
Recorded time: 7:01
